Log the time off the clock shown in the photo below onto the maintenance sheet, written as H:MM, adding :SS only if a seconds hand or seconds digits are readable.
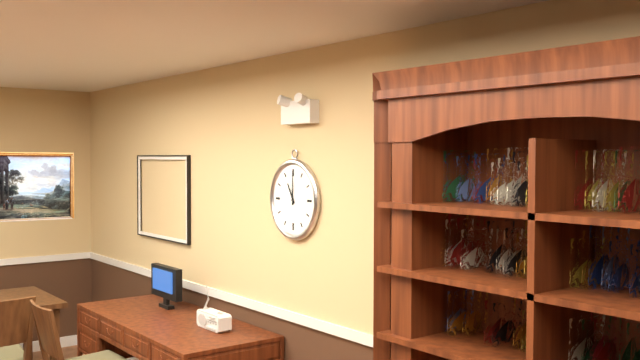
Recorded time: 11:00
